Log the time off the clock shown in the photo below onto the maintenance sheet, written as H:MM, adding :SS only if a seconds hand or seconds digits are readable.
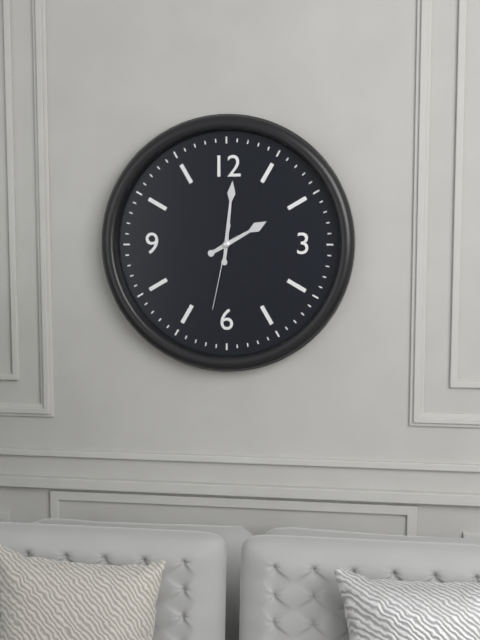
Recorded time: 2:01:32
